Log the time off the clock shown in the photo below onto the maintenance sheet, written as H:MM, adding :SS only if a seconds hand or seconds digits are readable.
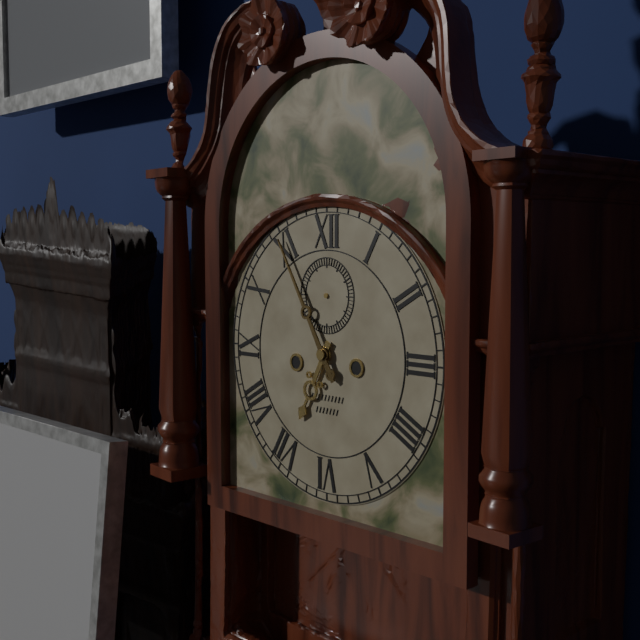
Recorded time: 6:55
